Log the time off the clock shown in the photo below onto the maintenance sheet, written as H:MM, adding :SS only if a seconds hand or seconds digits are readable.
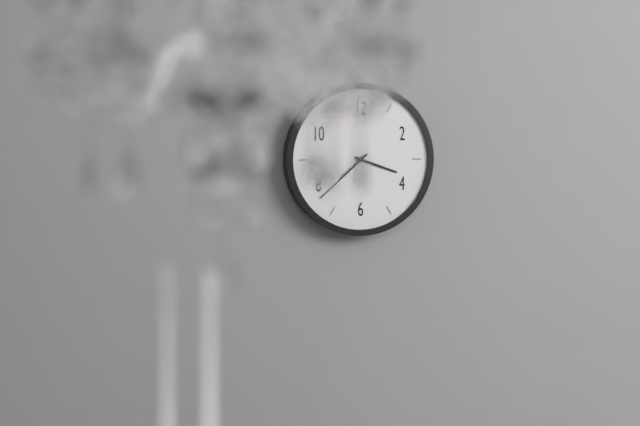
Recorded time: 3:38
